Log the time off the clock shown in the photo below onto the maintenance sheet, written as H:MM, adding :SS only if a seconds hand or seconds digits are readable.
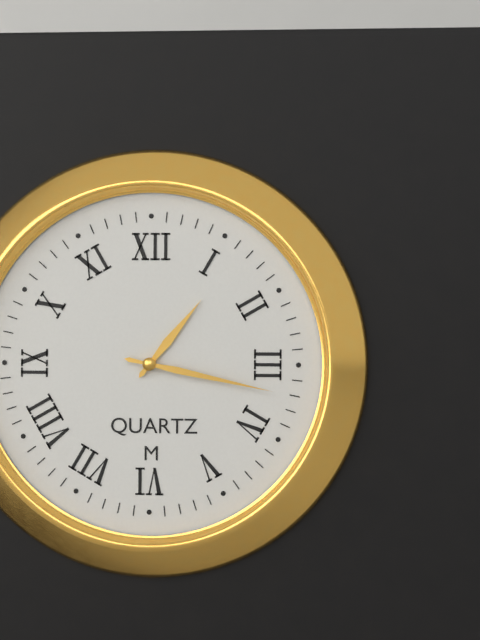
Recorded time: 1:17
